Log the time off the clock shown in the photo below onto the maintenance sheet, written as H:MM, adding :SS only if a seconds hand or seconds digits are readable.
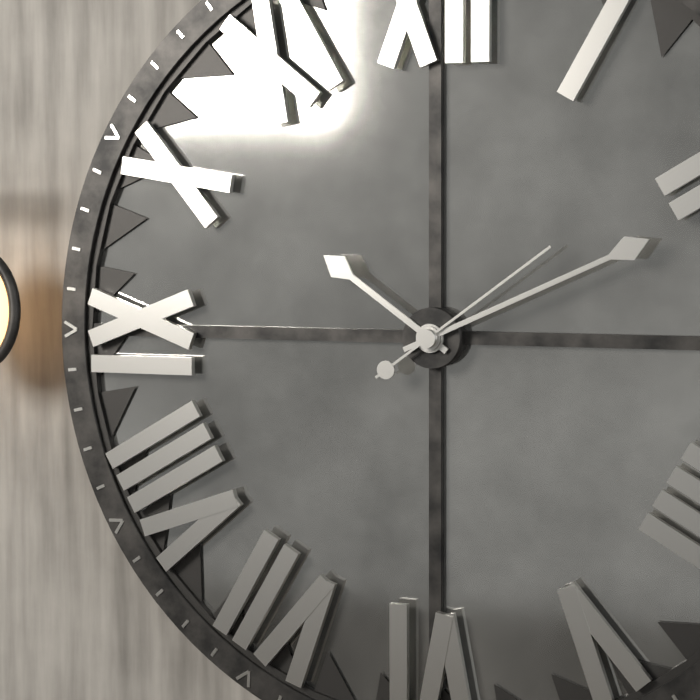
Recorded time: 10:11:09
